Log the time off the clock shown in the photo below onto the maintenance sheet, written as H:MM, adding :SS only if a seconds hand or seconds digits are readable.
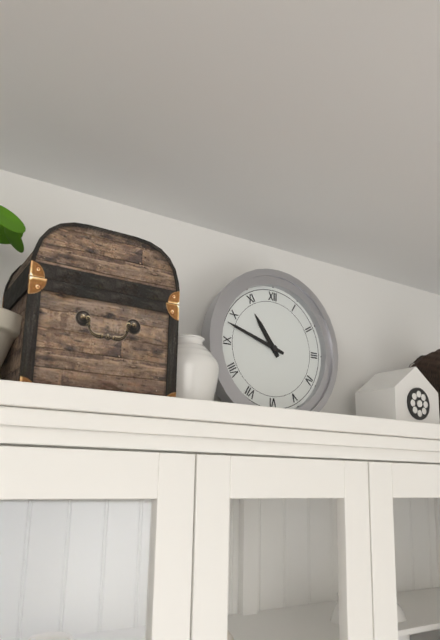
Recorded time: 10:48
